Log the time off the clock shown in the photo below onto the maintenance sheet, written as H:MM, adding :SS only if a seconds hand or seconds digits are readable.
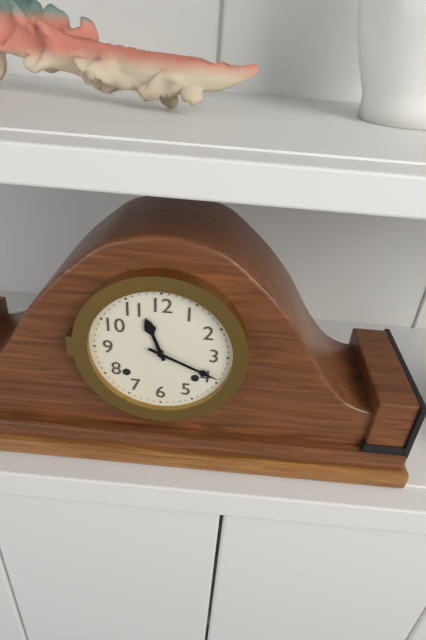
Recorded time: 11:19
